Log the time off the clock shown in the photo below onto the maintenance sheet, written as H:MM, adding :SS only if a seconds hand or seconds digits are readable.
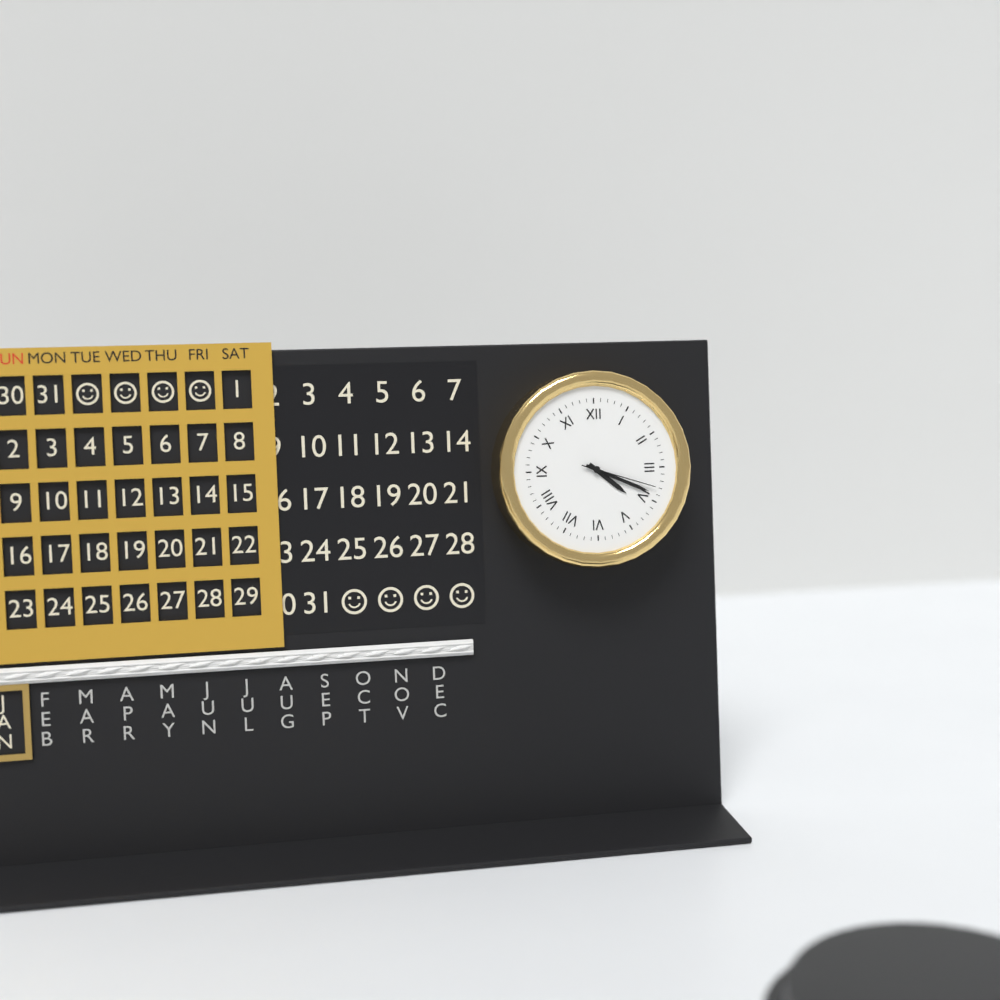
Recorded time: 4:19:18
